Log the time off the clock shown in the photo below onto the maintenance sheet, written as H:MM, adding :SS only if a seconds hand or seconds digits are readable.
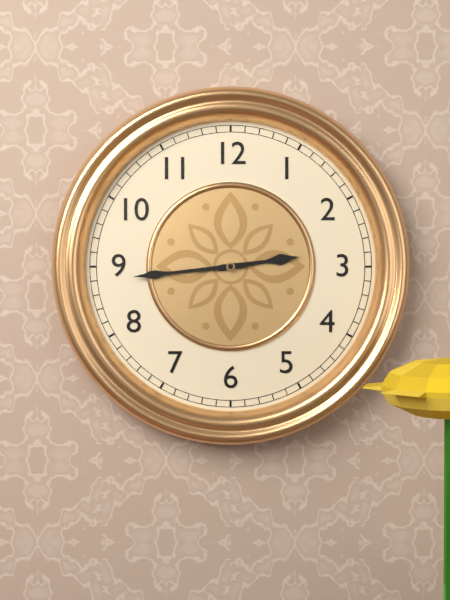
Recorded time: 2:44
